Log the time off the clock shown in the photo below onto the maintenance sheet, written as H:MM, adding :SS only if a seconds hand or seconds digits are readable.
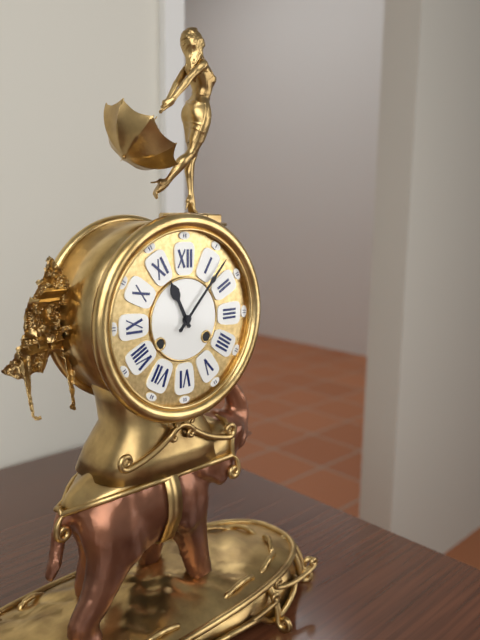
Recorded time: 11:07
